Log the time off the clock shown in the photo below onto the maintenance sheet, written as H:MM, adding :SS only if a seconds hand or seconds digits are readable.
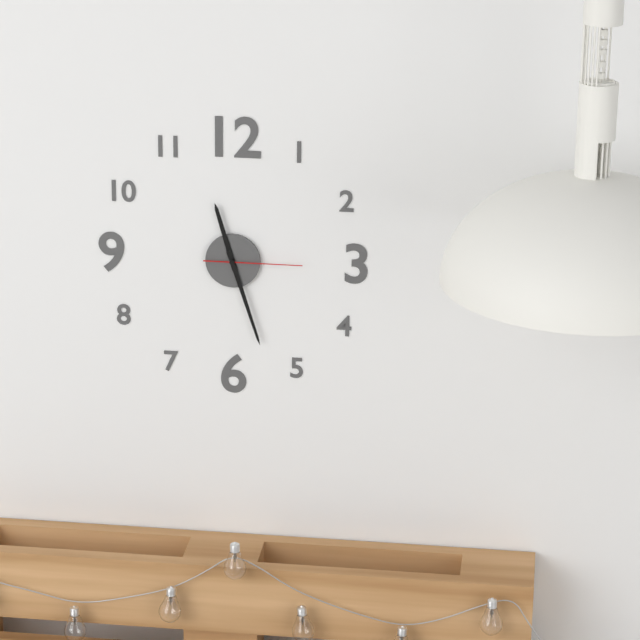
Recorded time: 11:27:15
